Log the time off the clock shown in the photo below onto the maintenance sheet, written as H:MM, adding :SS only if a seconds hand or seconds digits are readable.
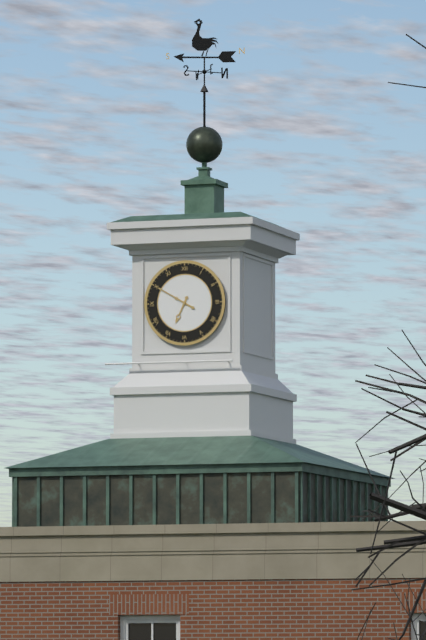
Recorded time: 6:50
